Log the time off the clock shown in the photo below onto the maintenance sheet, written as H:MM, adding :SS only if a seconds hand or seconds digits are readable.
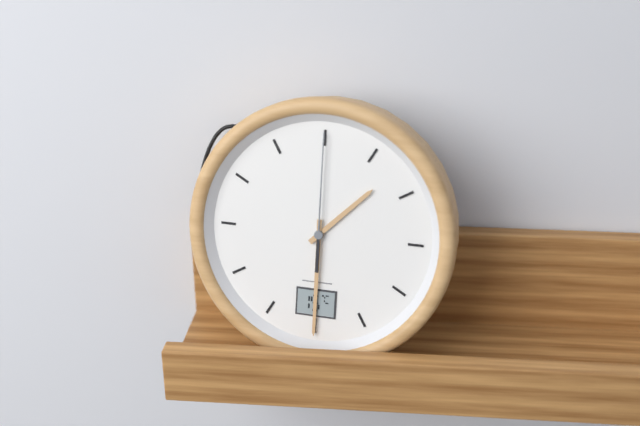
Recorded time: 1:30:00
